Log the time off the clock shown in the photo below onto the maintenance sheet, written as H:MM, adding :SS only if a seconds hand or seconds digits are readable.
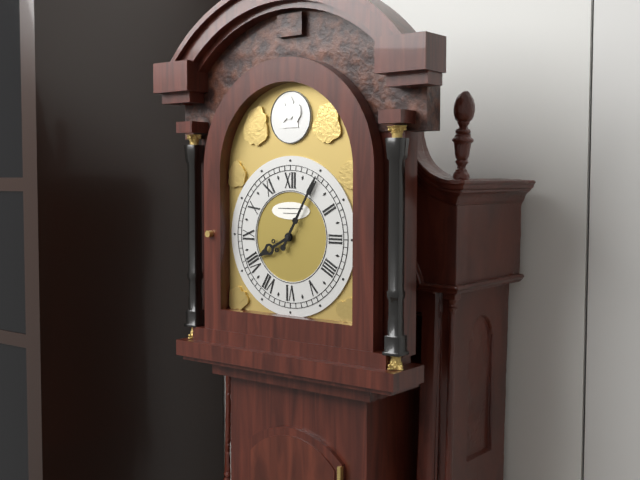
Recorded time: 8:05
